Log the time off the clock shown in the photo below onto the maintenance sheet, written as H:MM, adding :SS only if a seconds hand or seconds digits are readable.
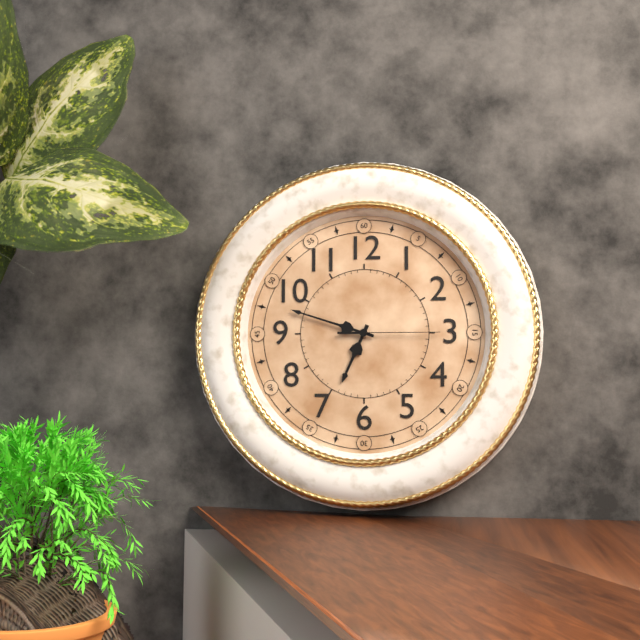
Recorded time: 6:48:15
